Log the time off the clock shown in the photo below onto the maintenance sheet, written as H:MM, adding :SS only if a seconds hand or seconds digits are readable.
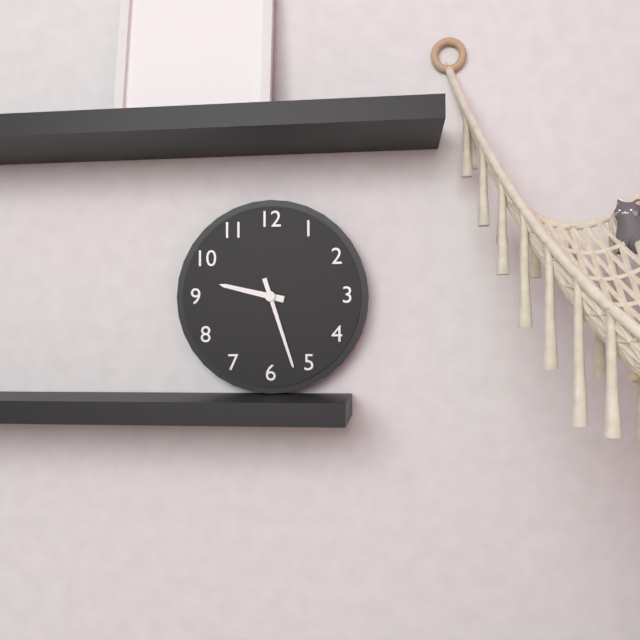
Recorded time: 9:27
